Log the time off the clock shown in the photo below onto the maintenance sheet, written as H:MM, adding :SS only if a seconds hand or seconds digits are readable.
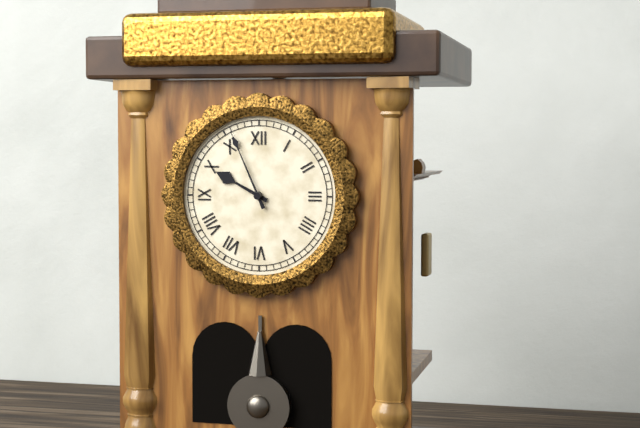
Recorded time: 9:56
